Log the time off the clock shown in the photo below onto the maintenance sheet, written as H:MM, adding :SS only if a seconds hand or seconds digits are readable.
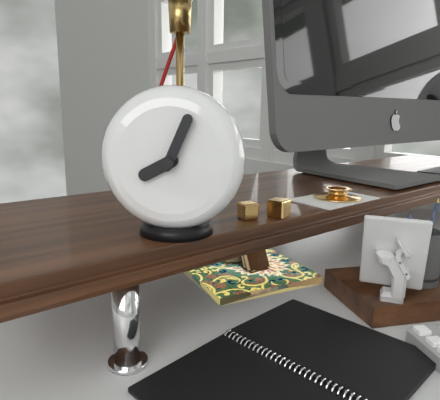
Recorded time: 8:04
